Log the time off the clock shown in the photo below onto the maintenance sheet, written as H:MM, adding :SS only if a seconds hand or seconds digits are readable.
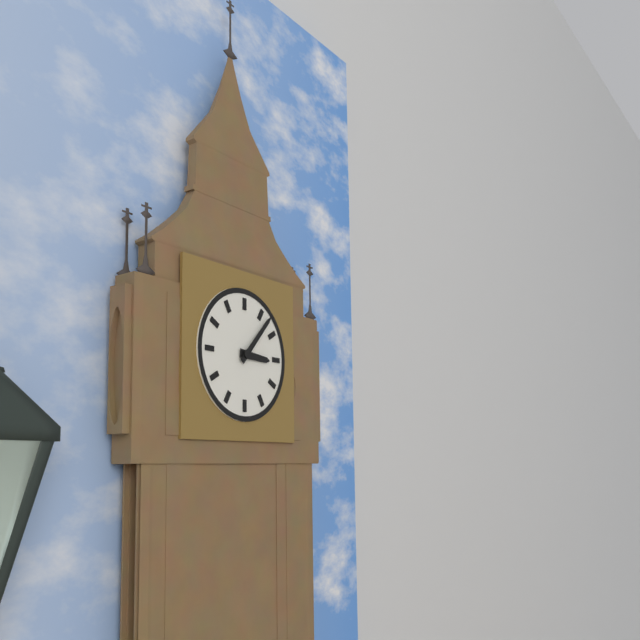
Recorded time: 3:07
